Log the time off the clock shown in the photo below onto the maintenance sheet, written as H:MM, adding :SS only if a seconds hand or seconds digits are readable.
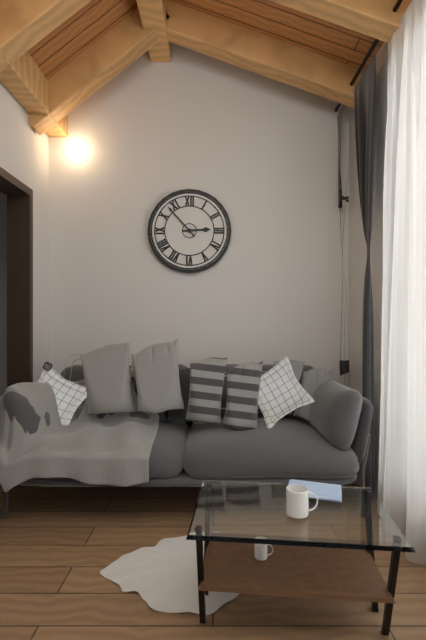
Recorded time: 2:53
